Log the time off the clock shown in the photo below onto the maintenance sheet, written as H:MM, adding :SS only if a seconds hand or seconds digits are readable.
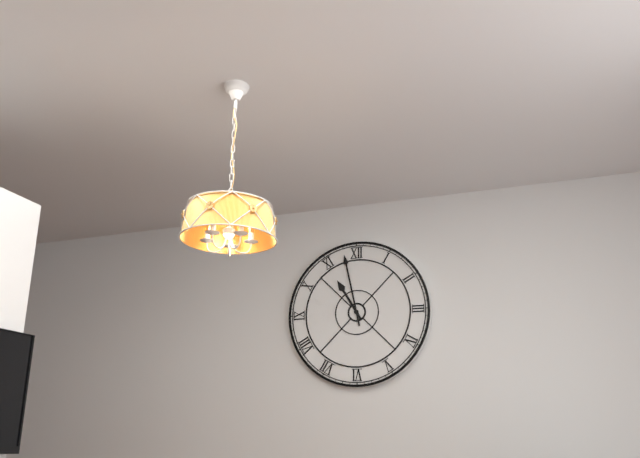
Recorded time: 10:58
